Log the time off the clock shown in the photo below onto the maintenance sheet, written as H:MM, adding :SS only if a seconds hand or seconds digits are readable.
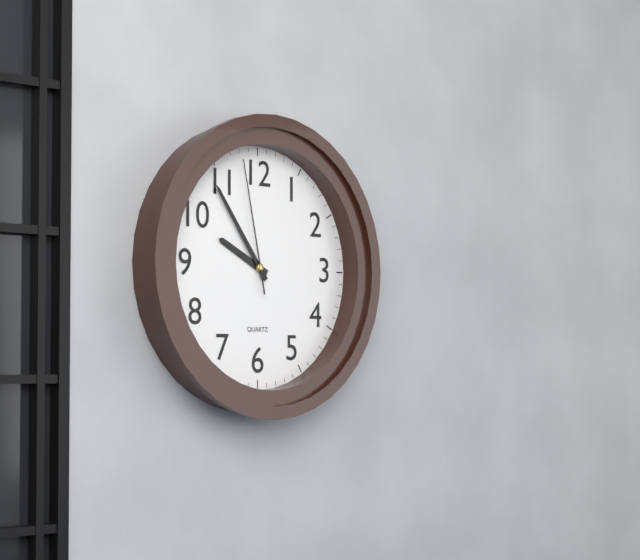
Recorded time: 9:54:58
